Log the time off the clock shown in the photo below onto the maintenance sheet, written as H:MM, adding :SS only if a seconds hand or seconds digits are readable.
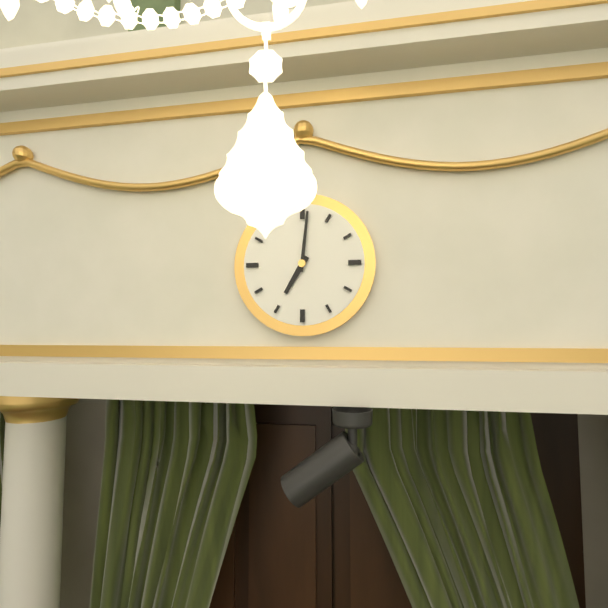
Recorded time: 7:01
